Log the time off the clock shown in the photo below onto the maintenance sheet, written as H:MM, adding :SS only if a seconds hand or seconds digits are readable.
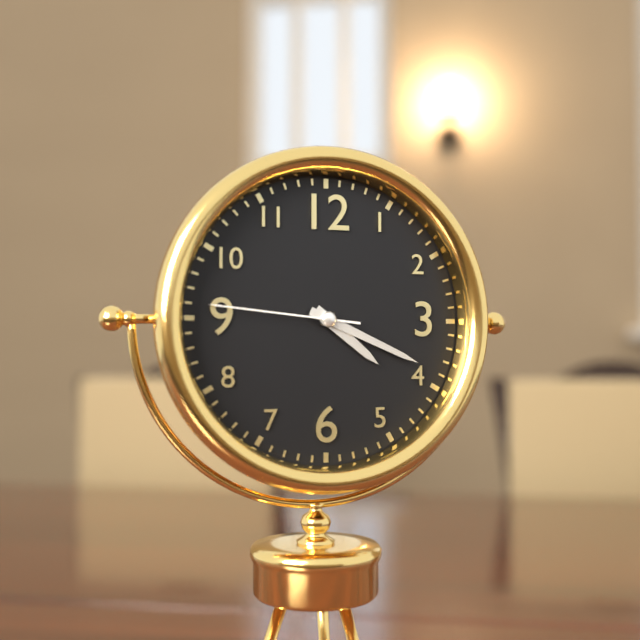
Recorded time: 4:19:46
